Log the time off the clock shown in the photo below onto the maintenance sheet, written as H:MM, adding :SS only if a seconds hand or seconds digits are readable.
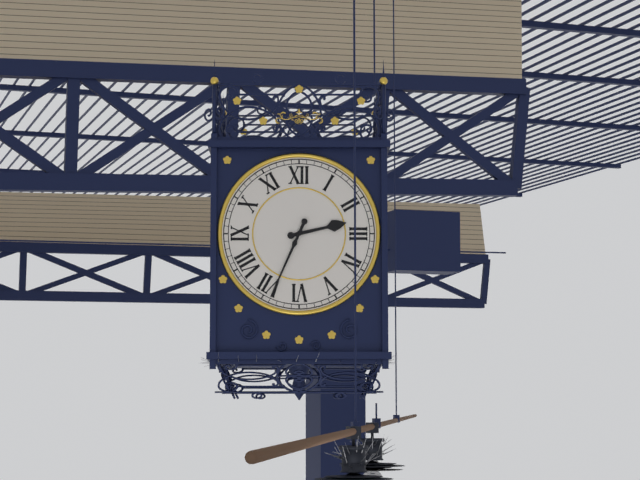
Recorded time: 2:34
